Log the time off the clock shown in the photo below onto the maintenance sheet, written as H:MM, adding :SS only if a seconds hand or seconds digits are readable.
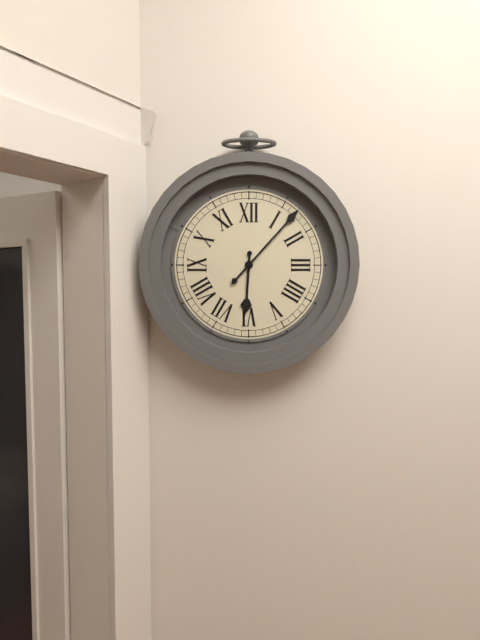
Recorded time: 6:07
